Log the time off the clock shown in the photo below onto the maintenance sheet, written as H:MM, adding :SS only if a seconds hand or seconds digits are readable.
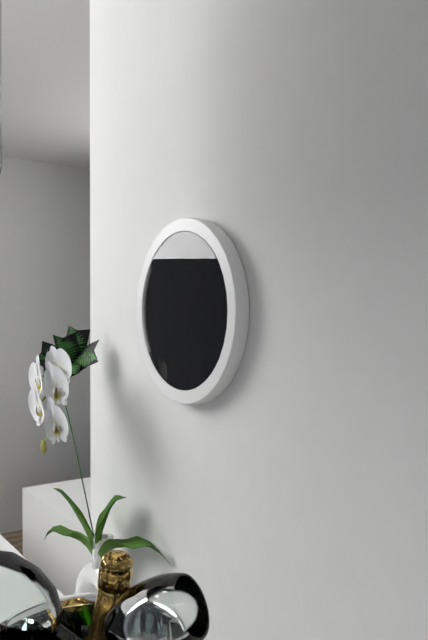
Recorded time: 8:01
